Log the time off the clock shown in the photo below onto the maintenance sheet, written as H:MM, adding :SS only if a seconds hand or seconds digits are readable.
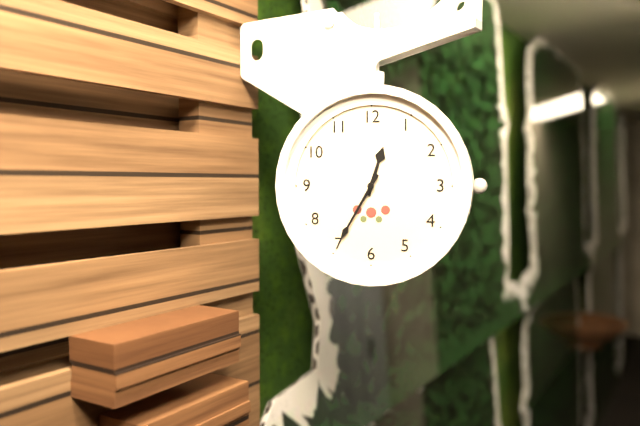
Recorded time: 12:35
